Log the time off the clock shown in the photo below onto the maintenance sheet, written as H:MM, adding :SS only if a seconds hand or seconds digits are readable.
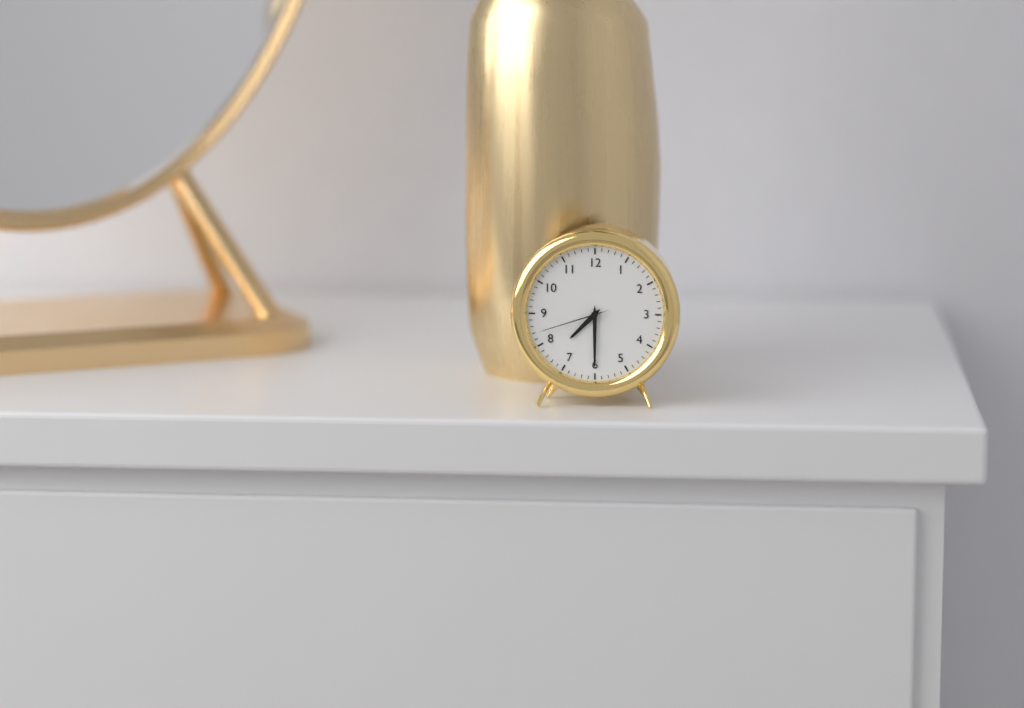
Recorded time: 7:30:42
